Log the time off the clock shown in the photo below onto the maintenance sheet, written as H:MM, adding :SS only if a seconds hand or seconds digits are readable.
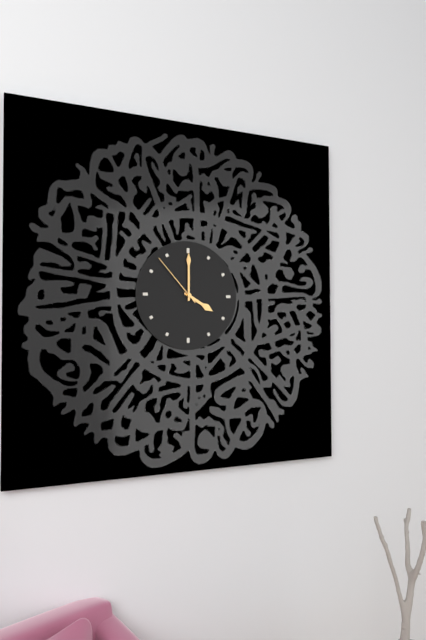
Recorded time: 4:00:53
